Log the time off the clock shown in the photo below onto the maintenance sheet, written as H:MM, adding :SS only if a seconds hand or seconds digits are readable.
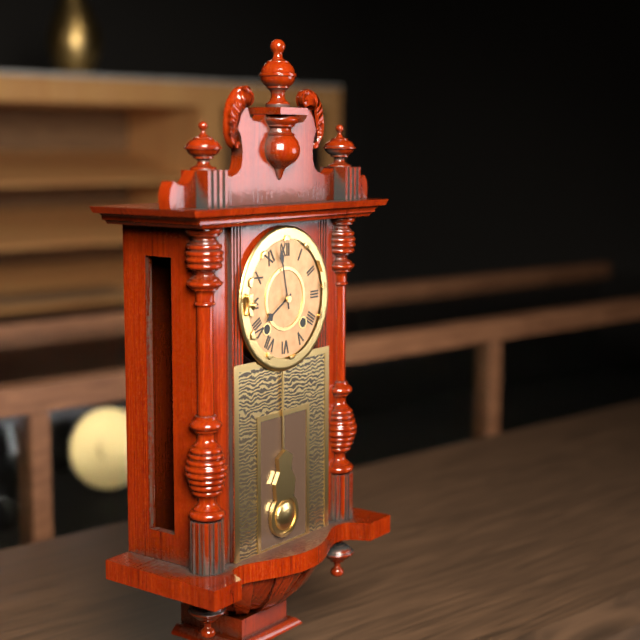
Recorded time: 7:58
